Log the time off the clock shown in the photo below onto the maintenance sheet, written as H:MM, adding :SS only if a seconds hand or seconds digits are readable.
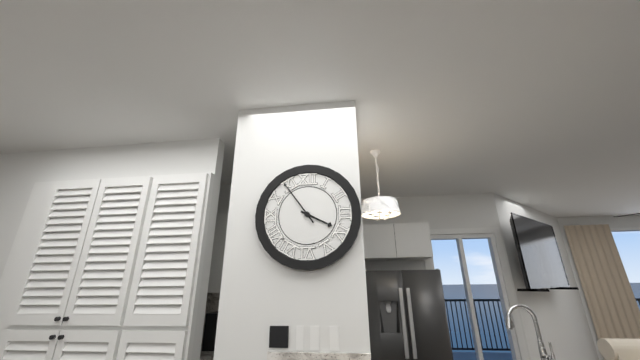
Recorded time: 3:54
